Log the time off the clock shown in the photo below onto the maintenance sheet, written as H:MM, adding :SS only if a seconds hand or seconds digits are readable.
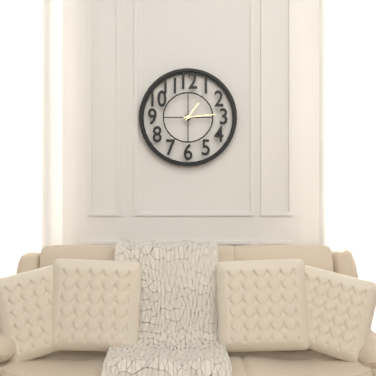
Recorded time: 1:14
